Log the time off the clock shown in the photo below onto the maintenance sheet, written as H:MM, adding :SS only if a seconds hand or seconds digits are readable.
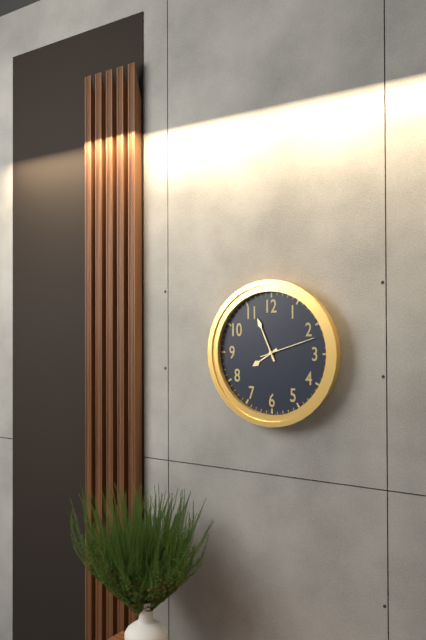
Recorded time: 7:56:12
